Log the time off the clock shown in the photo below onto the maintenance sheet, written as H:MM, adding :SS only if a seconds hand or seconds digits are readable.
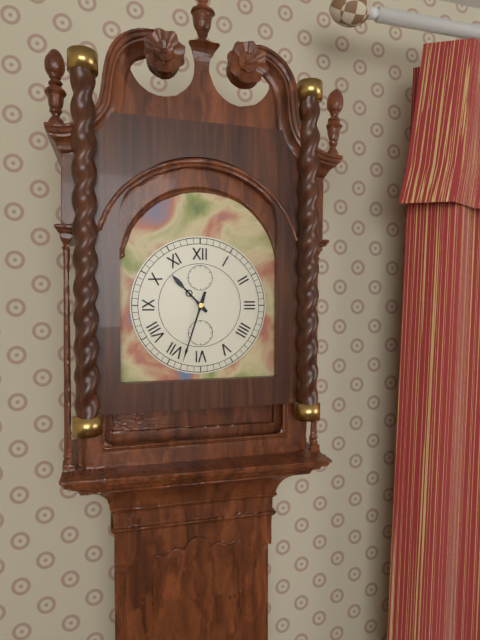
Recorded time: 10:33
